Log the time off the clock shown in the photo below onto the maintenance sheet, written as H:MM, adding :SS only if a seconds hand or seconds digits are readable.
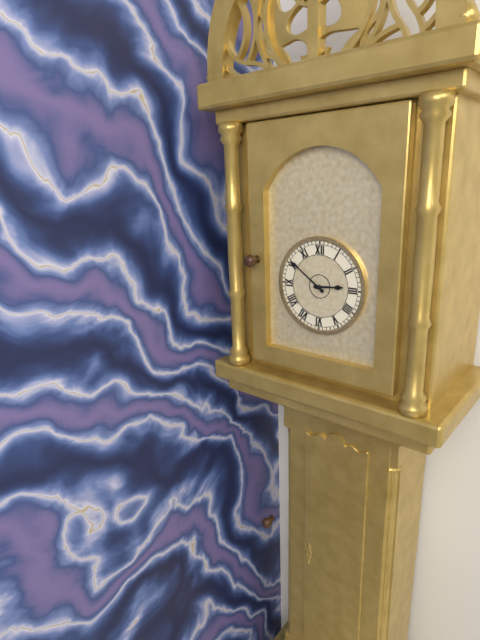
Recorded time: 2:51
